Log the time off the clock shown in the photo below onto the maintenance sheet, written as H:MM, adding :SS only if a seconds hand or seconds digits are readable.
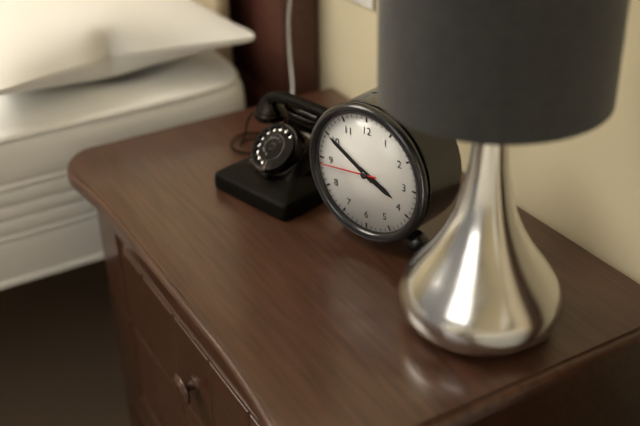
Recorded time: 3:50:44
